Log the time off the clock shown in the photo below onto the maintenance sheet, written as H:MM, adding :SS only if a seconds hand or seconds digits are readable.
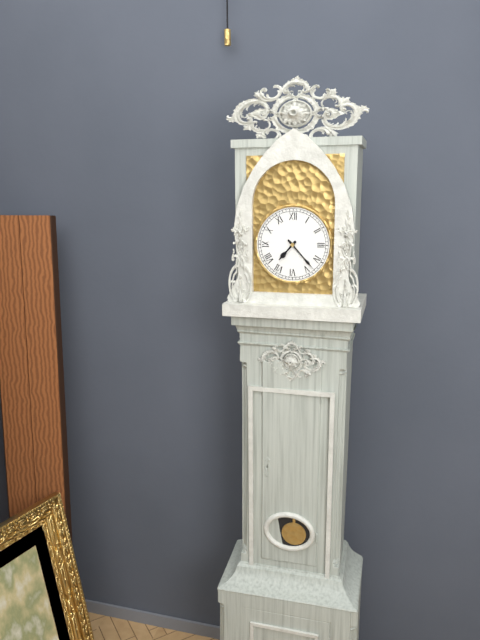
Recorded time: 7:23
